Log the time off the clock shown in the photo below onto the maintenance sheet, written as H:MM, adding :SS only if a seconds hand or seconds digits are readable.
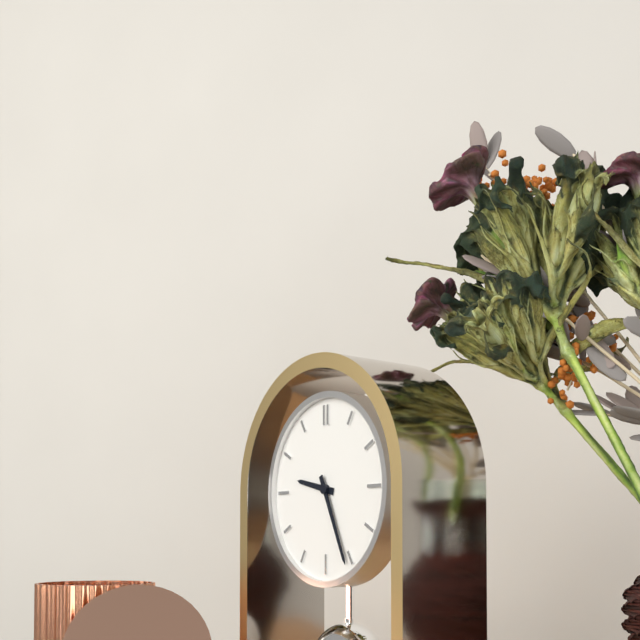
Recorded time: 9:26
